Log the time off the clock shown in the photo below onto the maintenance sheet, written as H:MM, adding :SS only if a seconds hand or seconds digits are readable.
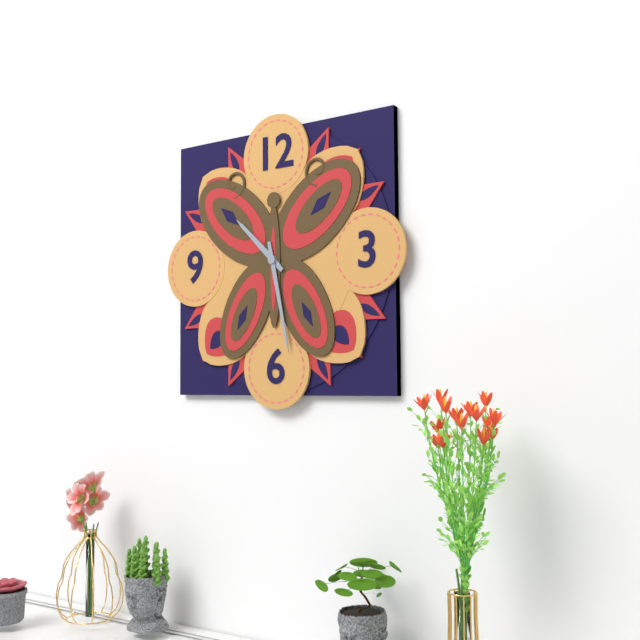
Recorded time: 10:28
